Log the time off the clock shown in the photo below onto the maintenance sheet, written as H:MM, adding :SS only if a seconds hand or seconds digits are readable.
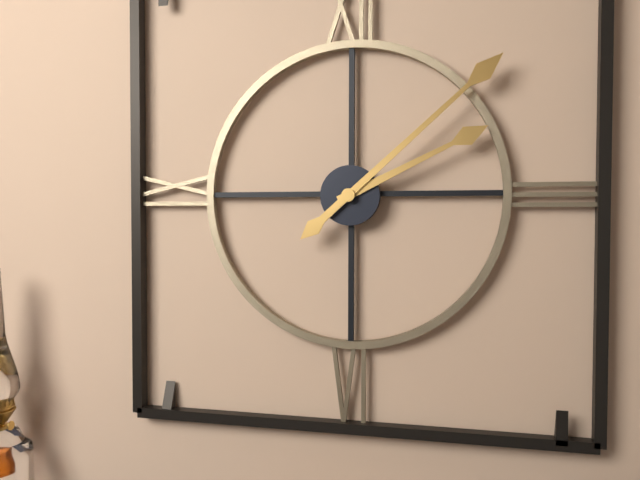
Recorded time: 2:08
